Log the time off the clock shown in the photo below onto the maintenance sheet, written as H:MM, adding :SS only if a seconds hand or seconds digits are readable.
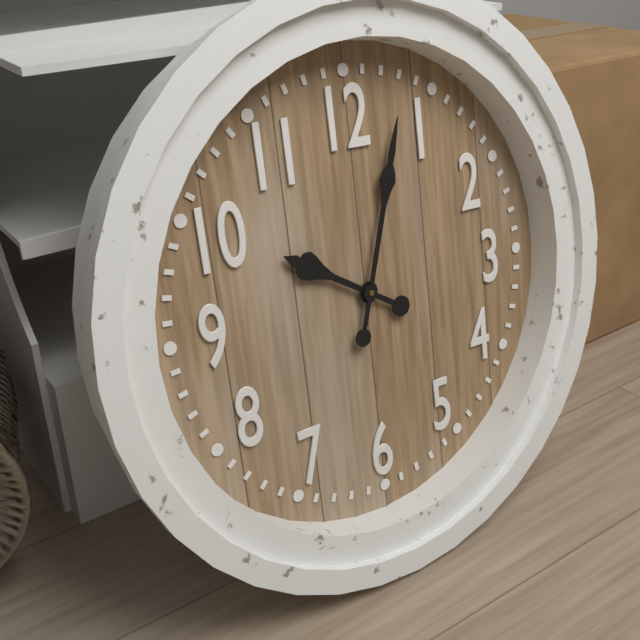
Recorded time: 10:03
